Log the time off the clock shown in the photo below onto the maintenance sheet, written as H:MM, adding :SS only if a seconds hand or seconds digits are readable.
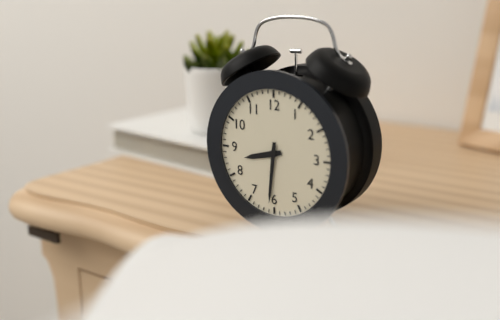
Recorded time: 8:31
